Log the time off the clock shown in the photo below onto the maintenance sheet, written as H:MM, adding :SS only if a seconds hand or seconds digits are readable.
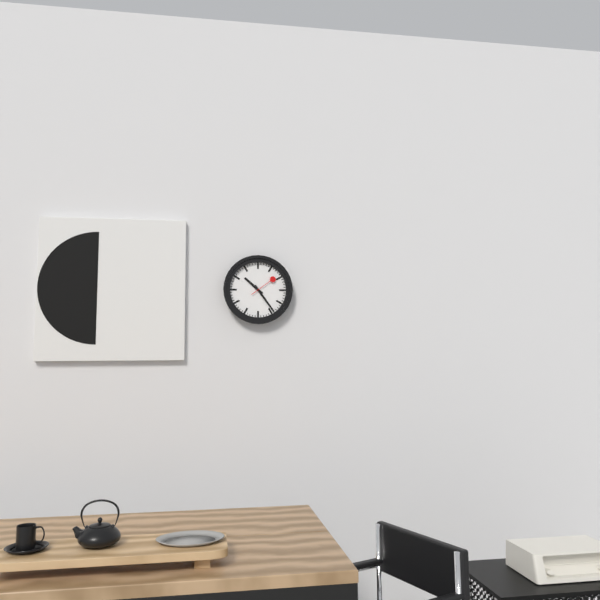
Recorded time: 10:24
